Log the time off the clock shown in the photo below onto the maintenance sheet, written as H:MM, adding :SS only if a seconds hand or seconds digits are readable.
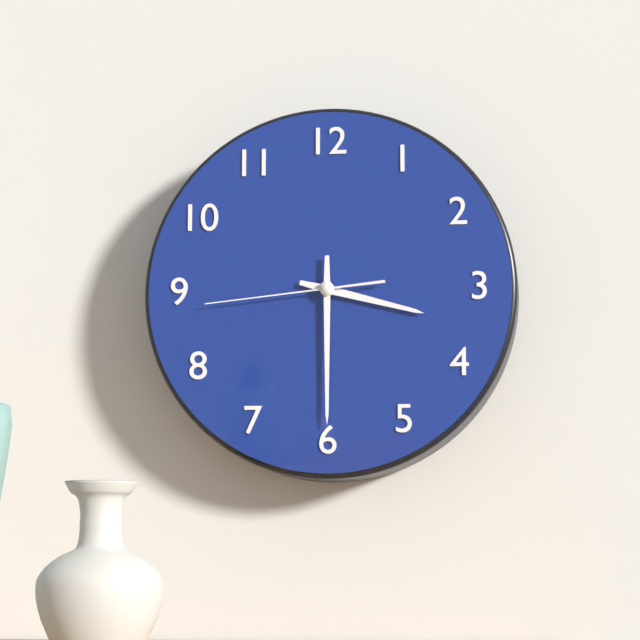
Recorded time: 3:30:44
